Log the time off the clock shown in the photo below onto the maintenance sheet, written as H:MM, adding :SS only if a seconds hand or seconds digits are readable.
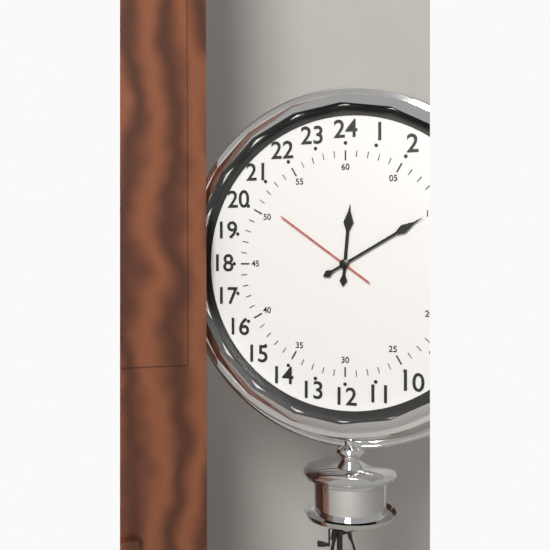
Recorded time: 12:10:51
